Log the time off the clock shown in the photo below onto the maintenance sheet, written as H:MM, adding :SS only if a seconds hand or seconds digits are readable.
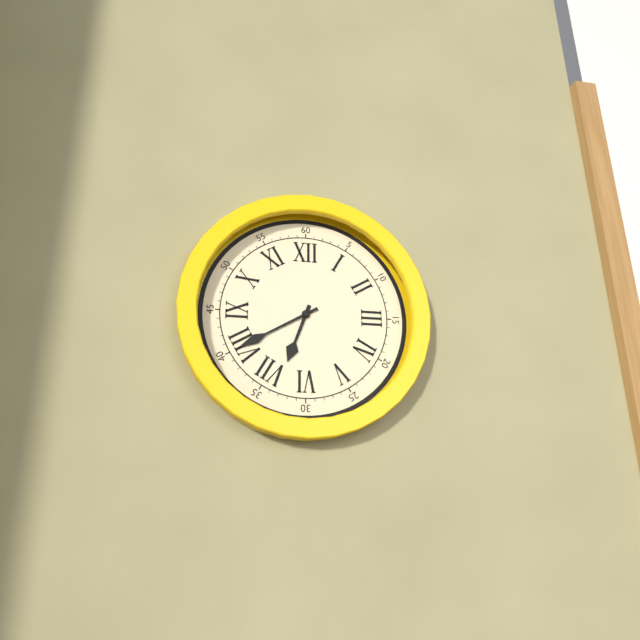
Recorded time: 6:40
